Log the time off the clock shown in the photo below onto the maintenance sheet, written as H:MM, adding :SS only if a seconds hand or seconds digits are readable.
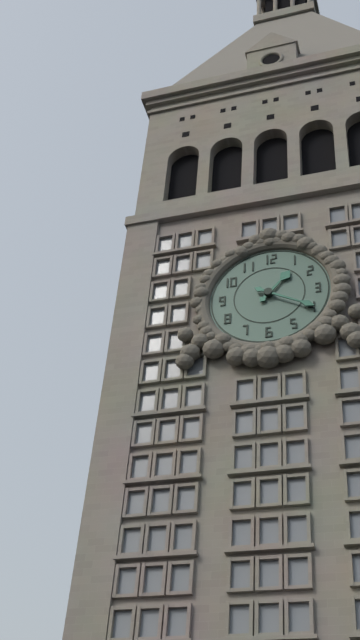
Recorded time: 1:20
